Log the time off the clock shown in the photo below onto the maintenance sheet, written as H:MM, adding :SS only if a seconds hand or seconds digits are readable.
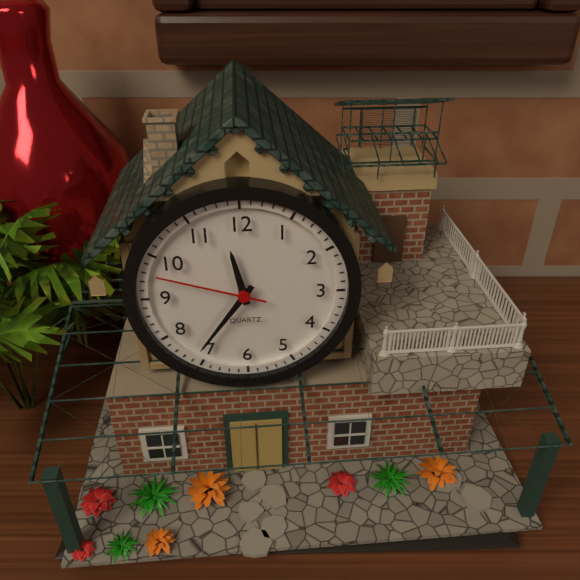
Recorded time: 11:36:48
